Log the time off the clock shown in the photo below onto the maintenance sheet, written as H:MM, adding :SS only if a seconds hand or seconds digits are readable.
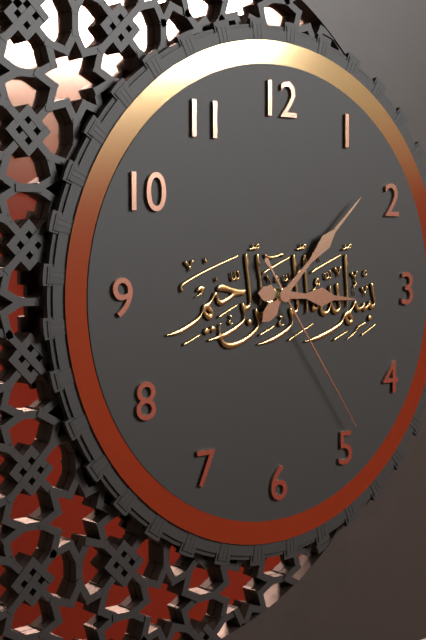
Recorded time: 3:08:24
